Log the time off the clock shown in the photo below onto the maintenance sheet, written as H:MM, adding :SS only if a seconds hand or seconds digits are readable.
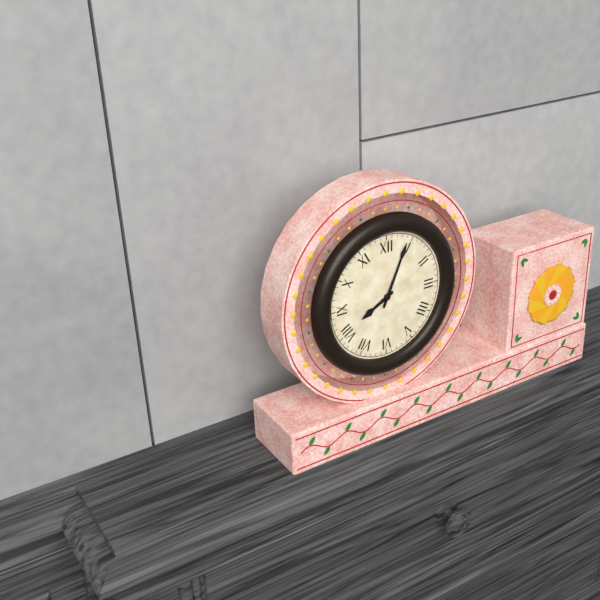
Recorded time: 8:04
